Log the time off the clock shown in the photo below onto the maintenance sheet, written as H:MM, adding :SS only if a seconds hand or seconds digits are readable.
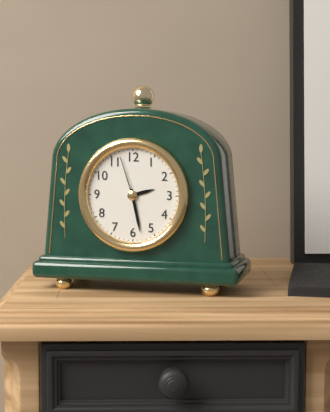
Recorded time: 2:28:57
